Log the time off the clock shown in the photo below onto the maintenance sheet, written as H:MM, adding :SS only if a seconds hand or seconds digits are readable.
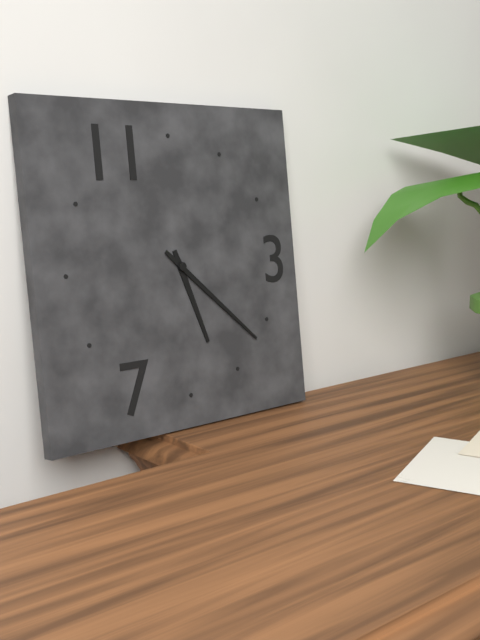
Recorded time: 5:22
